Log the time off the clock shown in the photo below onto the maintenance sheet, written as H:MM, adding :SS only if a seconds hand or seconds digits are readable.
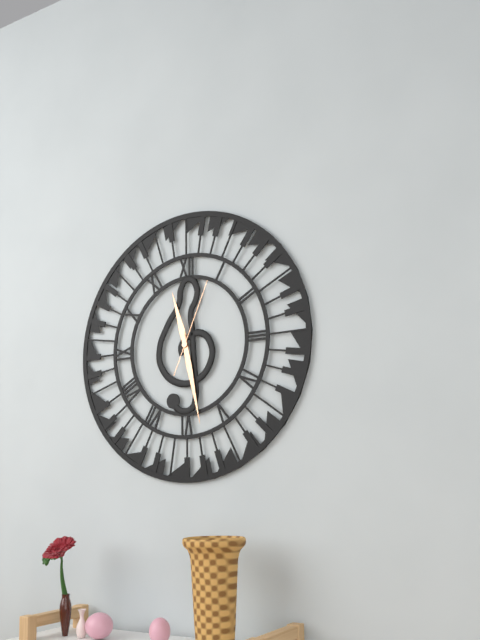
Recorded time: 11:28:04
